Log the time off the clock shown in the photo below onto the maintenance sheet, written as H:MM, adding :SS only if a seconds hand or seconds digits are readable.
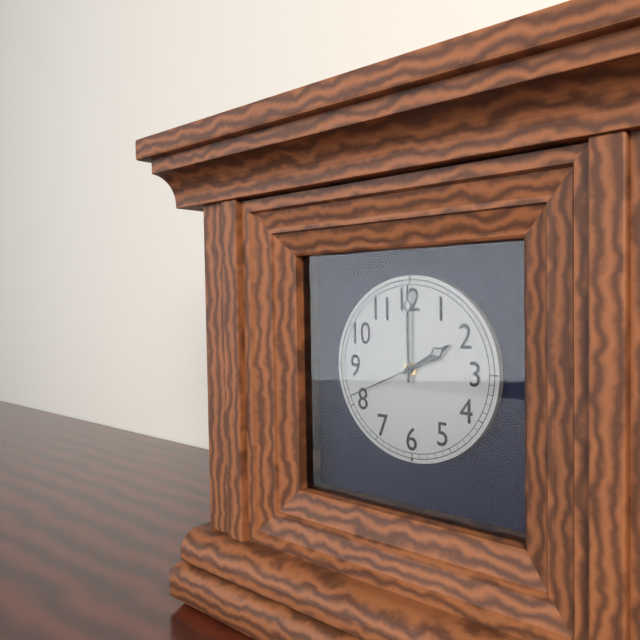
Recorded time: 2:00:41
